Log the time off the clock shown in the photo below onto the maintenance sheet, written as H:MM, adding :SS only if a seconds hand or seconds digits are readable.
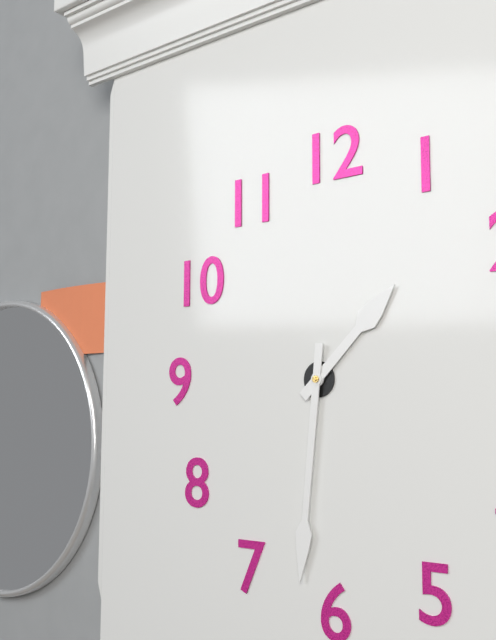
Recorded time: 1:31
